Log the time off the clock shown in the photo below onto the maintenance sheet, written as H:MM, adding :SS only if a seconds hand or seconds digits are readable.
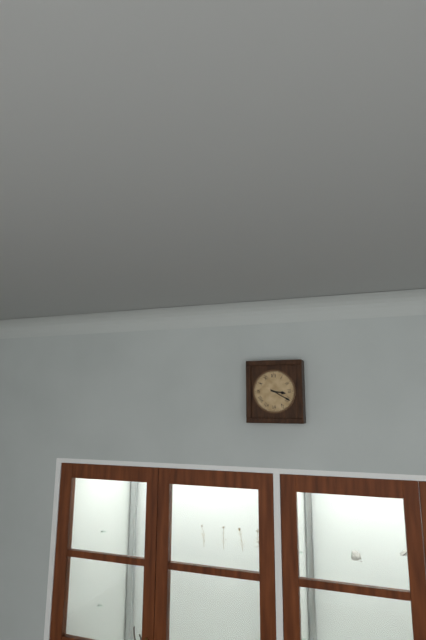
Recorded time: 3:20
